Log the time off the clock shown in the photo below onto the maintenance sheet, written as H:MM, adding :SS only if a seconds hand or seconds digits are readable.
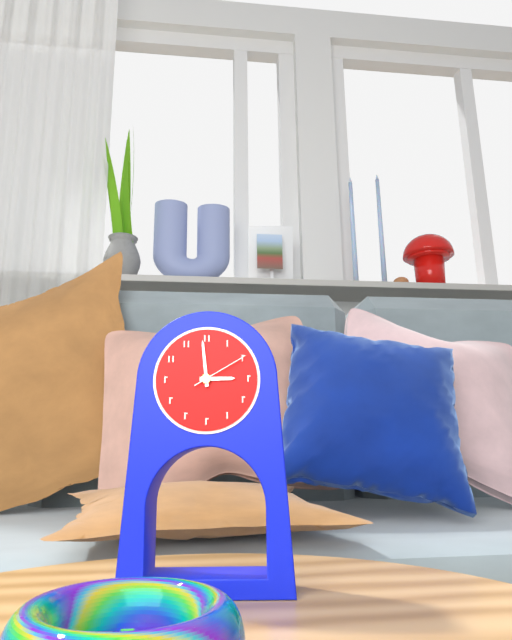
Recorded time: 2:59:10
